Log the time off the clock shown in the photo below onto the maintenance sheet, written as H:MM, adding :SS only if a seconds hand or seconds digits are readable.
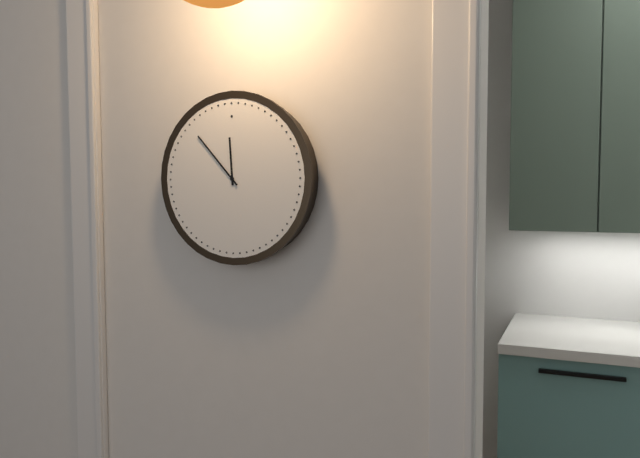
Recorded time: 11:53
